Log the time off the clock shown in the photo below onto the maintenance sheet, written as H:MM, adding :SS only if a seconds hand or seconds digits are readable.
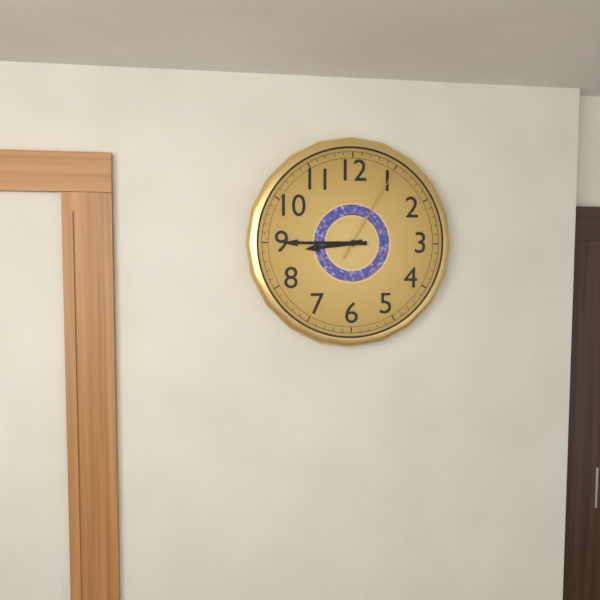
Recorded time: 8:45:05
